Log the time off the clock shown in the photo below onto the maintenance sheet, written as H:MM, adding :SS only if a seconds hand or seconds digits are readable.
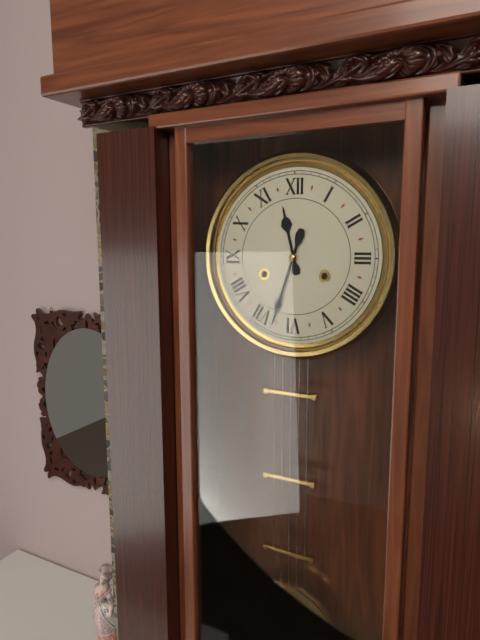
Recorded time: 11:33
